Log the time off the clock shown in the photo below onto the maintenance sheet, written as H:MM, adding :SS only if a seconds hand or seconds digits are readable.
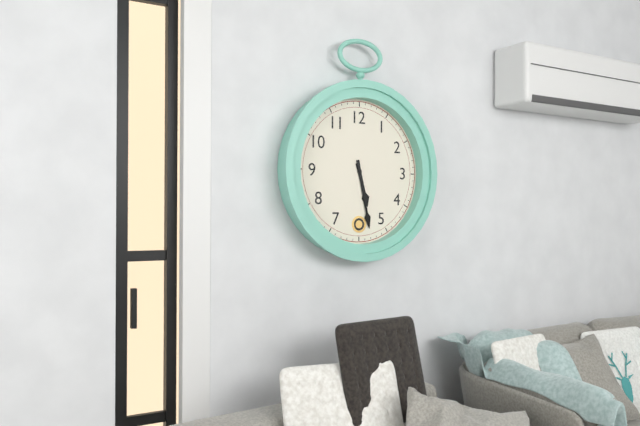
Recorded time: 5:28
